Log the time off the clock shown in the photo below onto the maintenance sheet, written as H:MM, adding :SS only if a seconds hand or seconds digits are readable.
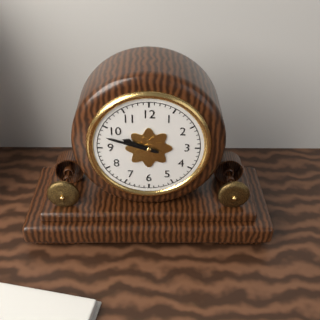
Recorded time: 9:48
